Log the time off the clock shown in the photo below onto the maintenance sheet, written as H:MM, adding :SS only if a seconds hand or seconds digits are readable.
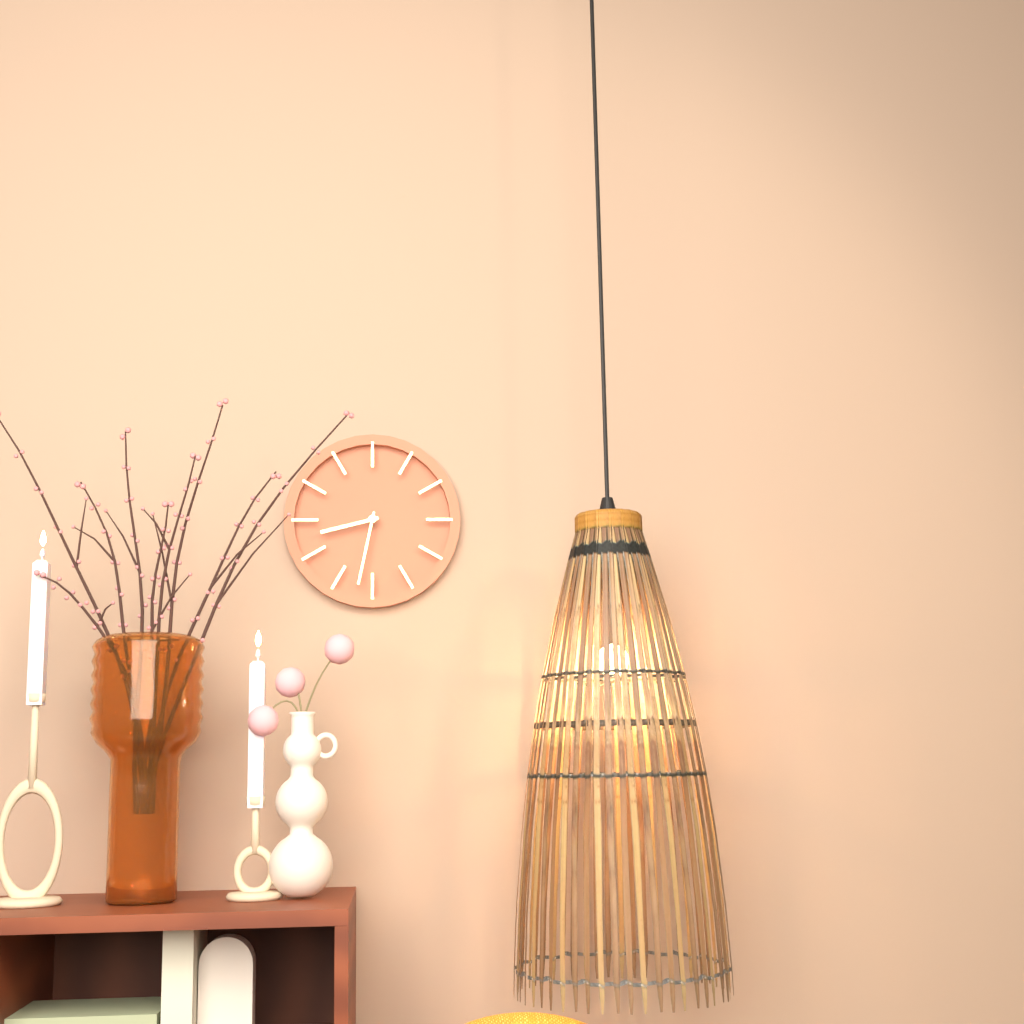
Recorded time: 8:32
